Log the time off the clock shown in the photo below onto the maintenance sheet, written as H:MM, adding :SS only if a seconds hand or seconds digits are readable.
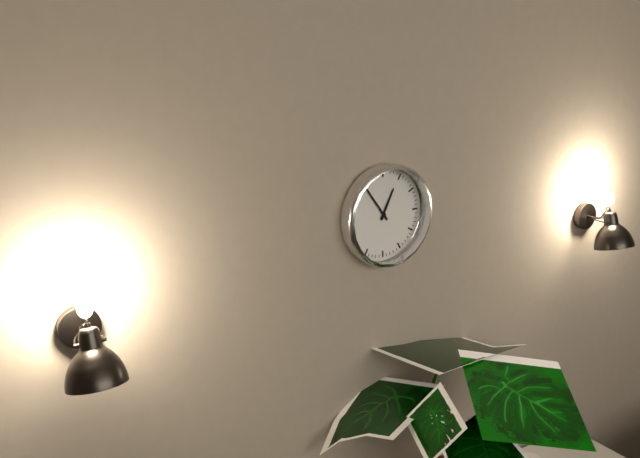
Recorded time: 12:54
